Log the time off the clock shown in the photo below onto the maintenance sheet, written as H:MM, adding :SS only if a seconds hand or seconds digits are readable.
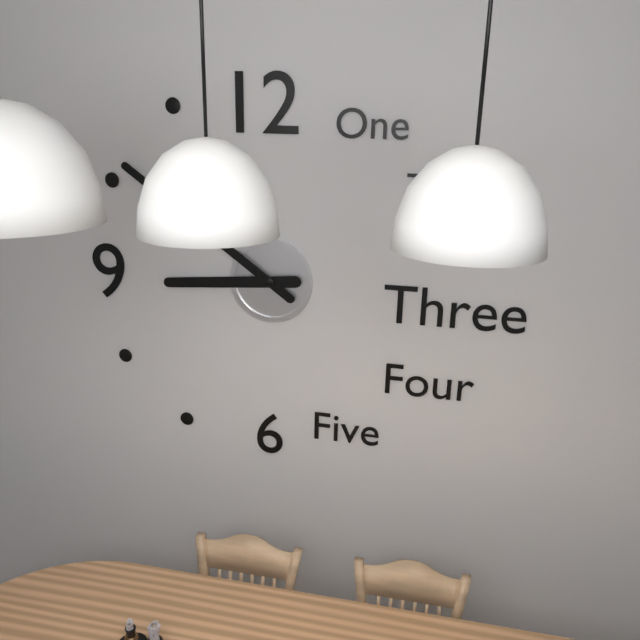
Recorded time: 8:51
